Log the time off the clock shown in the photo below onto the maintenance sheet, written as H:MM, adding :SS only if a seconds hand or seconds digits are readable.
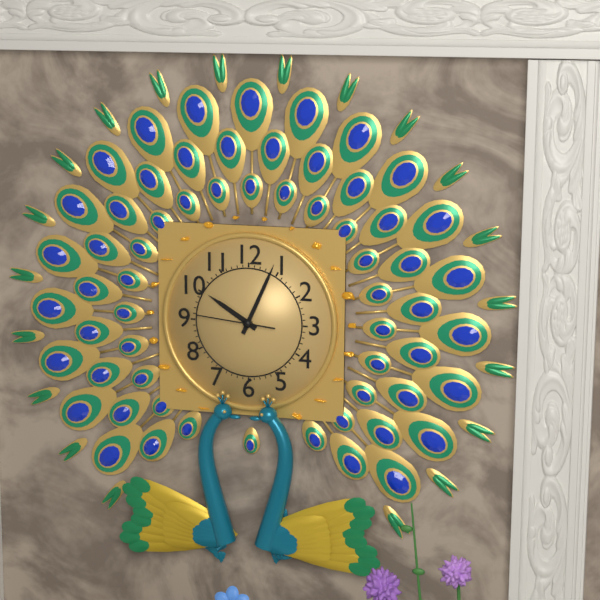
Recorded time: 10:04:46
